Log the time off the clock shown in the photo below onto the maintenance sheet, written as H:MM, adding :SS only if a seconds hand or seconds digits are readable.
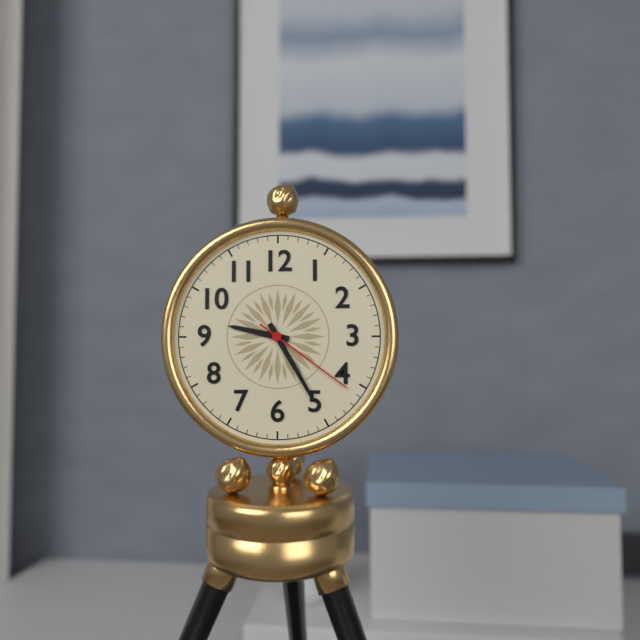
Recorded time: 9:25:21
